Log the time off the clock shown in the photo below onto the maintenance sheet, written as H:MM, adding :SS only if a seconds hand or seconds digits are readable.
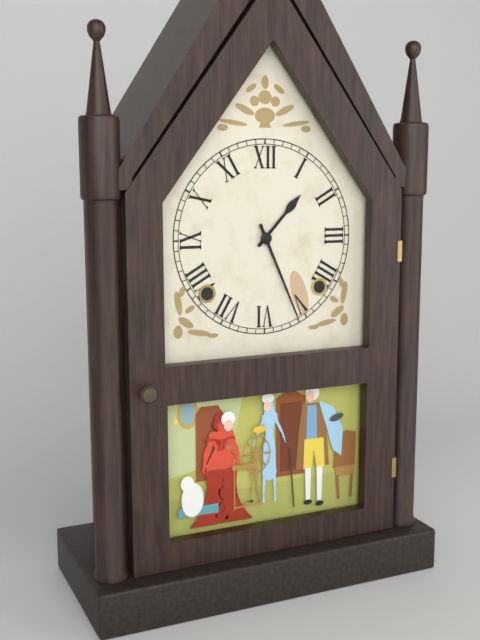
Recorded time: 1:26
